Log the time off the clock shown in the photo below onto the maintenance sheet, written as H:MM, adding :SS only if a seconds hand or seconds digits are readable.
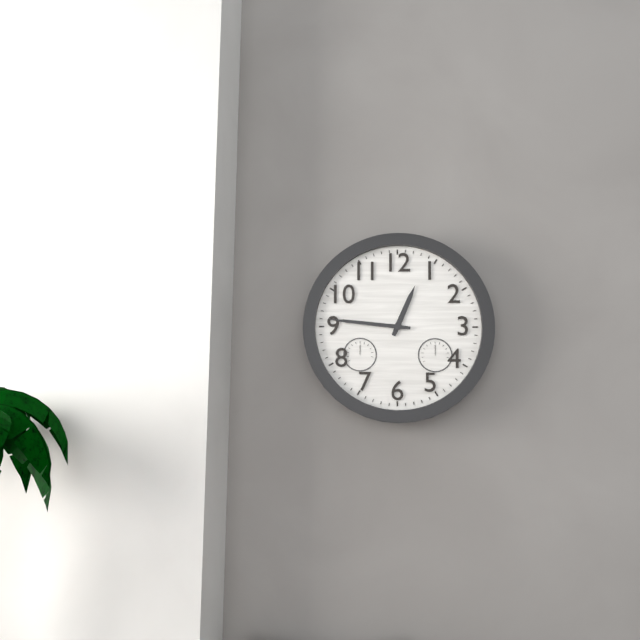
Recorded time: 12:46
